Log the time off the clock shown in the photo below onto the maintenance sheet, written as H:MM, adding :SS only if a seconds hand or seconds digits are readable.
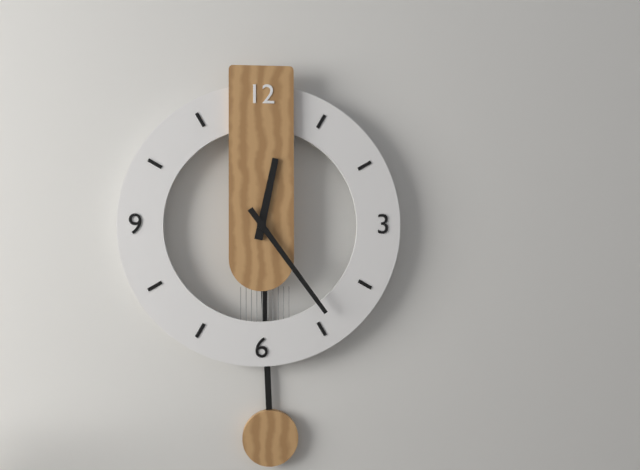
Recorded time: 12:24
